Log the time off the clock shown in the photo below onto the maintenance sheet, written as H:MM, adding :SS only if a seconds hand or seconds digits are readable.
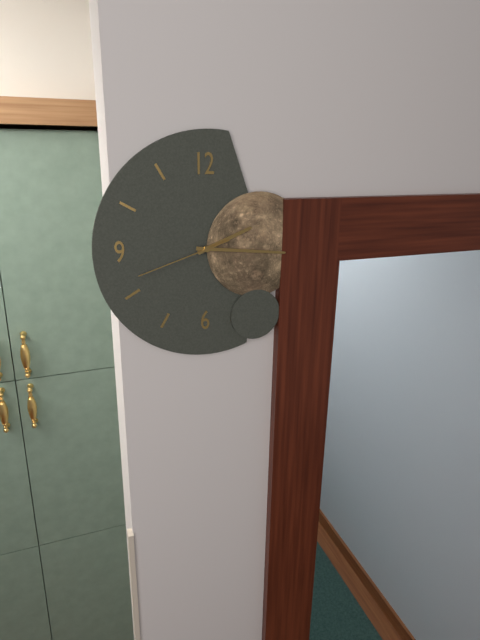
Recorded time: 2:16:42
